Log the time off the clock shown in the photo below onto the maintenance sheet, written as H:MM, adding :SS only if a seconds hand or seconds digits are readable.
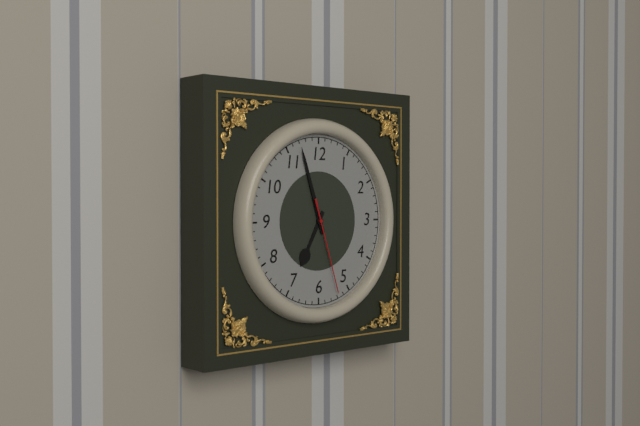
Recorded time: 6:57:27
